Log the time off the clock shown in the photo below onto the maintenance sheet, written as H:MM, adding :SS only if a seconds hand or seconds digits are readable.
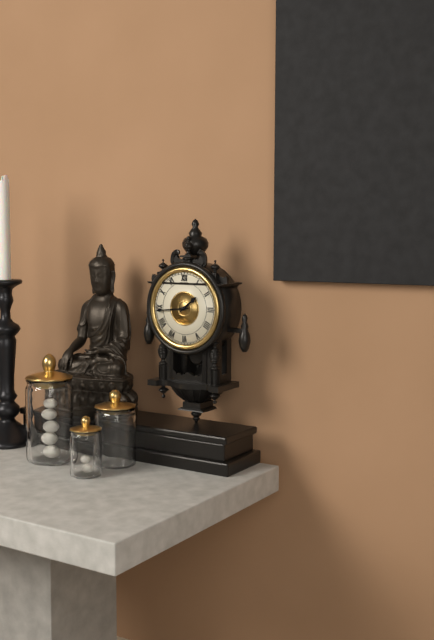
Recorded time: 1:44
